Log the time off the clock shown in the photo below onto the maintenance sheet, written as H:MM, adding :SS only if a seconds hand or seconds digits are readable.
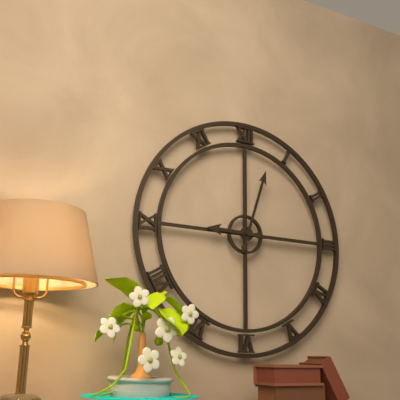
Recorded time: 9:03
